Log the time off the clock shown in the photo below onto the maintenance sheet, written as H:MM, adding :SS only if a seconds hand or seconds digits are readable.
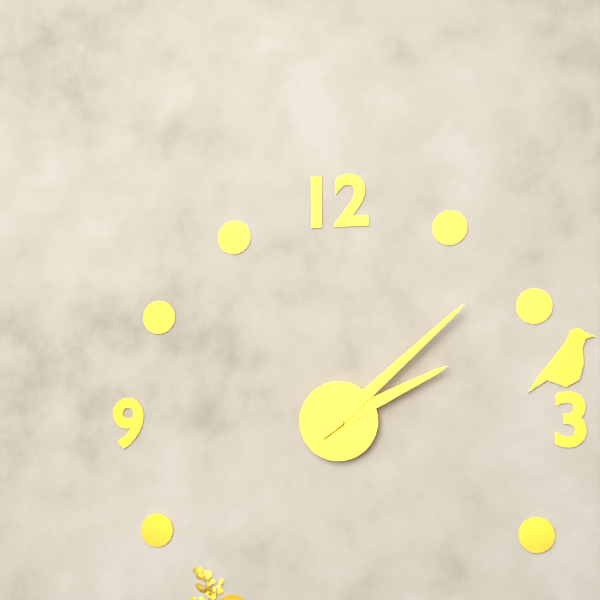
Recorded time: 2:08
